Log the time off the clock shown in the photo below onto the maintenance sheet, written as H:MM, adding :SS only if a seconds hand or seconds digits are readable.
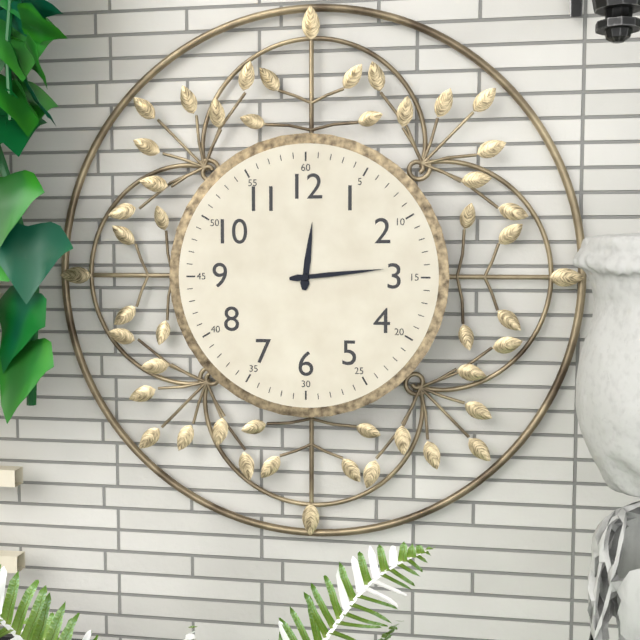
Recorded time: 12:14
